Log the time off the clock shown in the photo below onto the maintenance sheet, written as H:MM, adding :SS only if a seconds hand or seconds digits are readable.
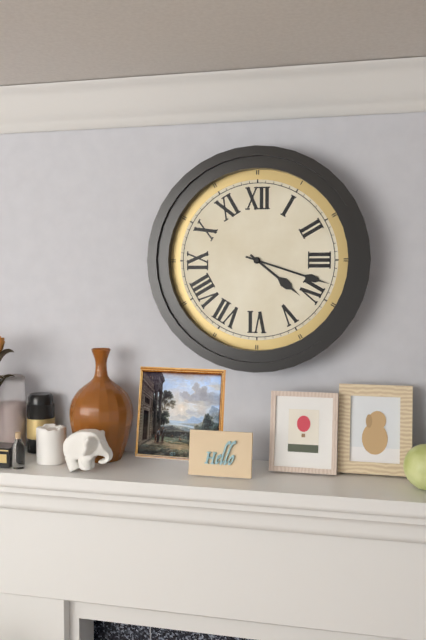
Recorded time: 4:18
